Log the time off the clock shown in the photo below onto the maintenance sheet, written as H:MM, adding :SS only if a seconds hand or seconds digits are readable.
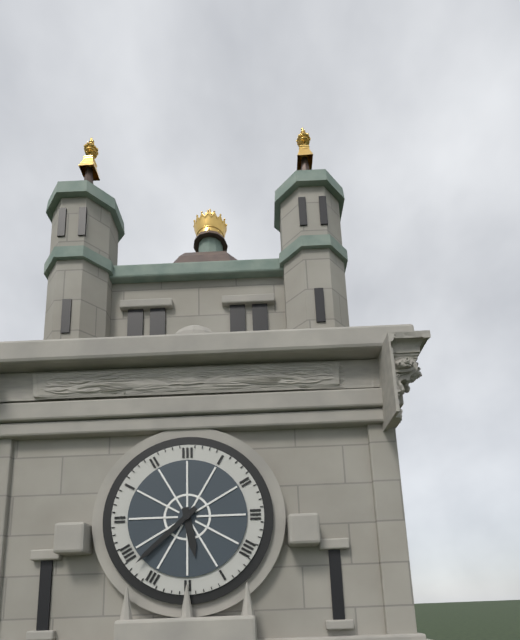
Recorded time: 5:38
